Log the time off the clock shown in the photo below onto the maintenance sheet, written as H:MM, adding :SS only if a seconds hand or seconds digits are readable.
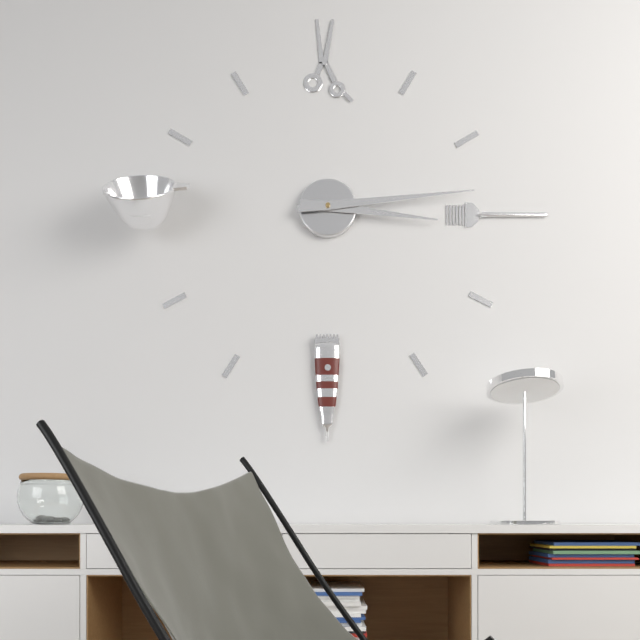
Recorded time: 3:14
